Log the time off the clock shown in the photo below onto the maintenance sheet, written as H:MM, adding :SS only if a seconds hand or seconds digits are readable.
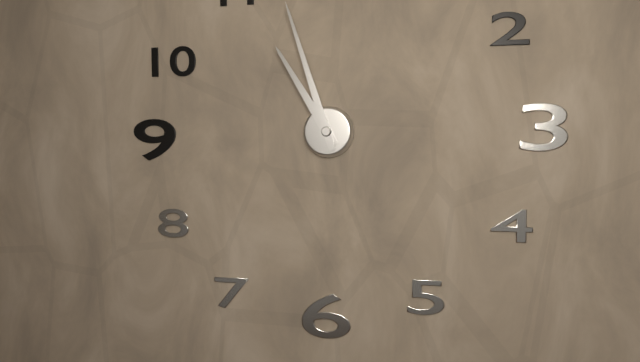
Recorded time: 10:57
